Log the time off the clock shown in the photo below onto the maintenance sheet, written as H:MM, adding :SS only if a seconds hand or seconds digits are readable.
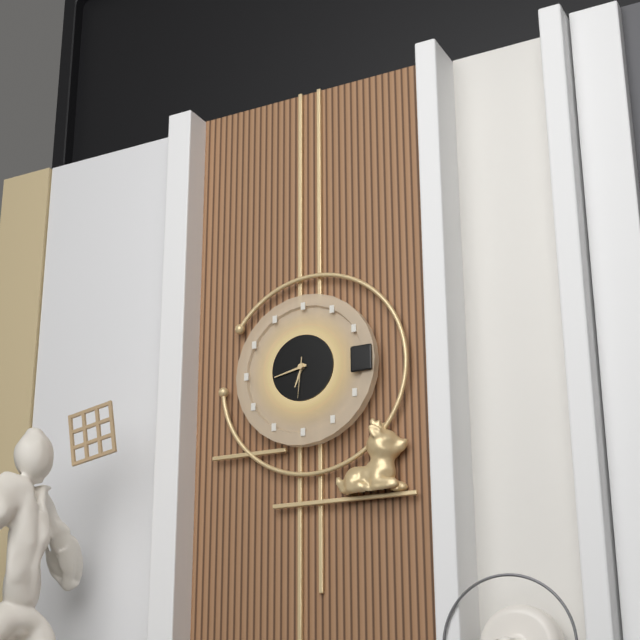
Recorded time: 6:43
